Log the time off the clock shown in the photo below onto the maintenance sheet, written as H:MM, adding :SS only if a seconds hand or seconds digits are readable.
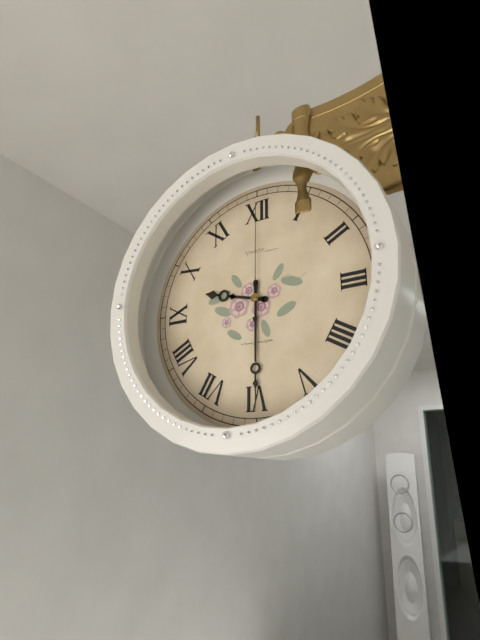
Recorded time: 9:30:00
